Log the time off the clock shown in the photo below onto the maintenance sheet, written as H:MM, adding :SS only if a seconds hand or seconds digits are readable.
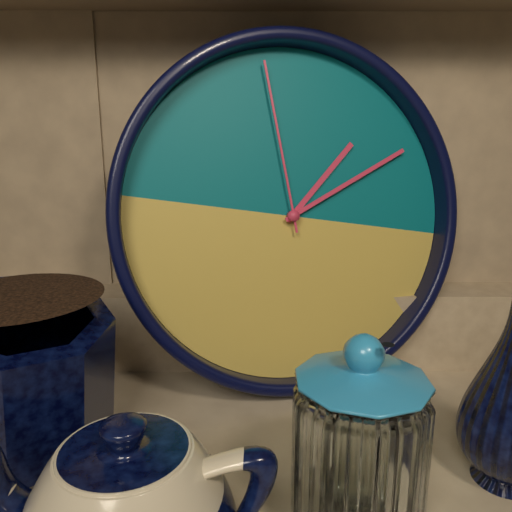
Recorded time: 1:09:57
